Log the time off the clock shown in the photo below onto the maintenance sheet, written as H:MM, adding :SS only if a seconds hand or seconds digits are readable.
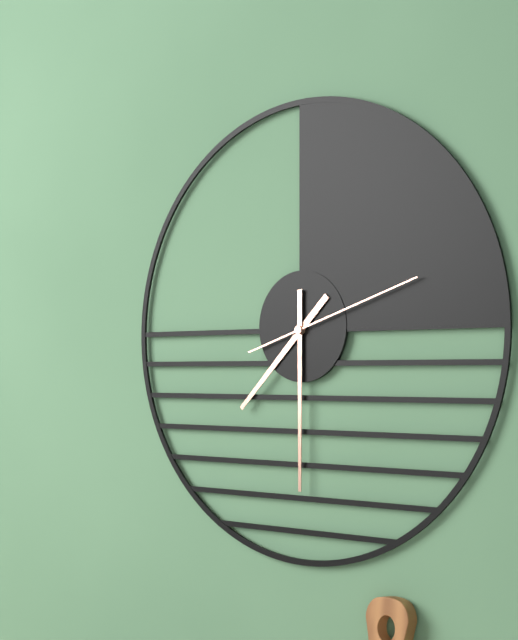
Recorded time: 7:30:12
